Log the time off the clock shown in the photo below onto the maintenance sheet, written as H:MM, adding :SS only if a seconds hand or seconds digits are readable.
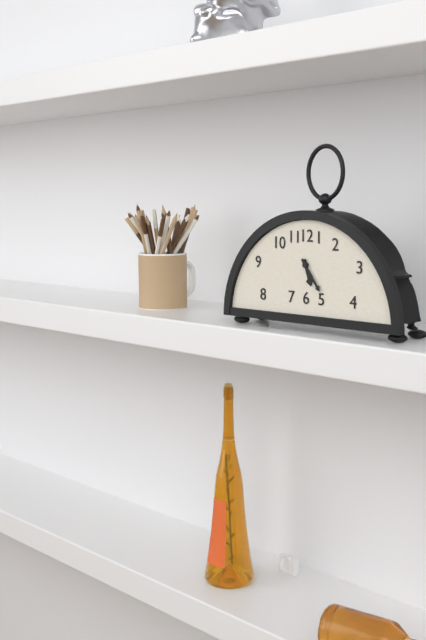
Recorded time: 5:24
